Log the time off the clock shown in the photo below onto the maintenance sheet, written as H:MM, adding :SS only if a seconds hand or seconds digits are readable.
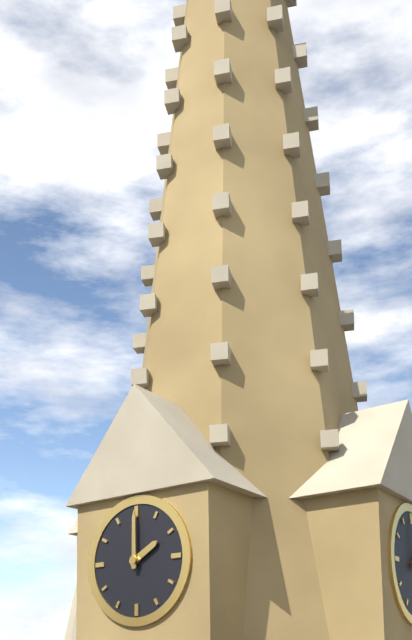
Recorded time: 2:00
